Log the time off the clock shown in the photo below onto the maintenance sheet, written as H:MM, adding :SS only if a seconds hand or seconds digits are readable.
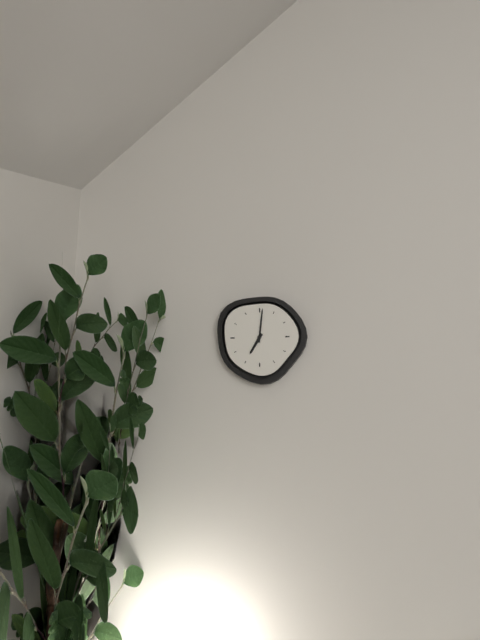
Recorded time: 7:01
